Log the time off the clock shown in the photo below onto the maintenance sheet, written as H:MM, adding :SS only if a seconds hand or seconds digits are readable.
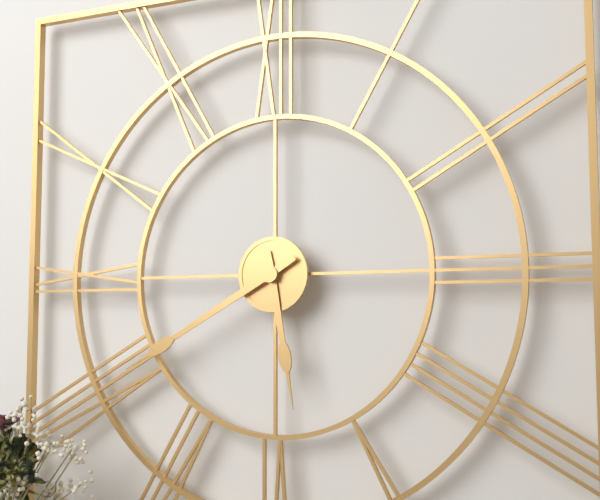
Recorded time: 5:40
